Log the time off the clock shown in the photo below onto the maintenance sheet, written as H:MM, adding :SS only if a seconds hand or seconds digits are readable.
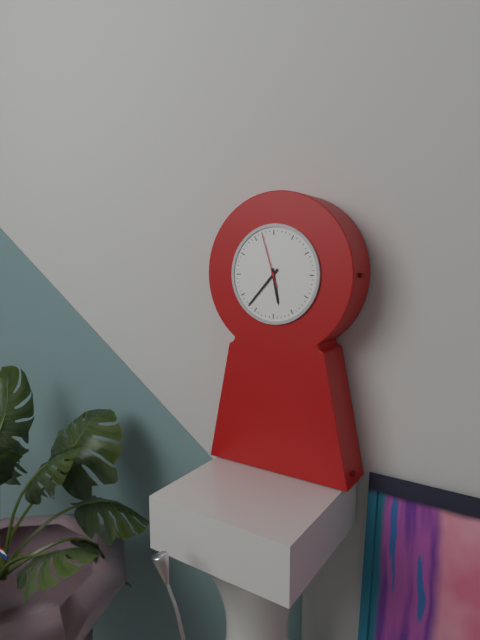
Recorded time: 5:37:57
